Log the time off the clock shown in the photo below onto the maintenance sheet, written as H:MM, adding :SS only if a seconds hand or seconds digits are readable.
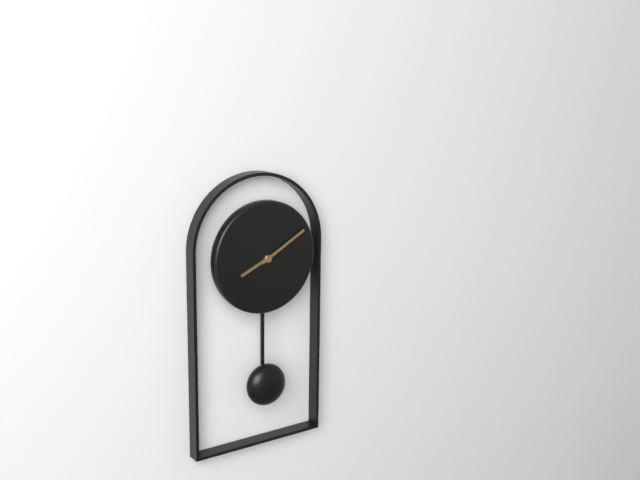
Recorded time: 8:10
